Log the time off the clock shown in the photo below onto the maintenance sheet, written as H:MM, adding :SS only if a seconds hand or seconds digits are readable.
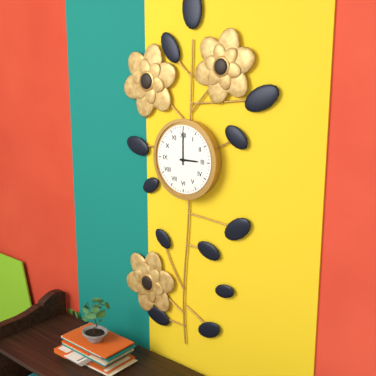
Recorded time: 3:00
